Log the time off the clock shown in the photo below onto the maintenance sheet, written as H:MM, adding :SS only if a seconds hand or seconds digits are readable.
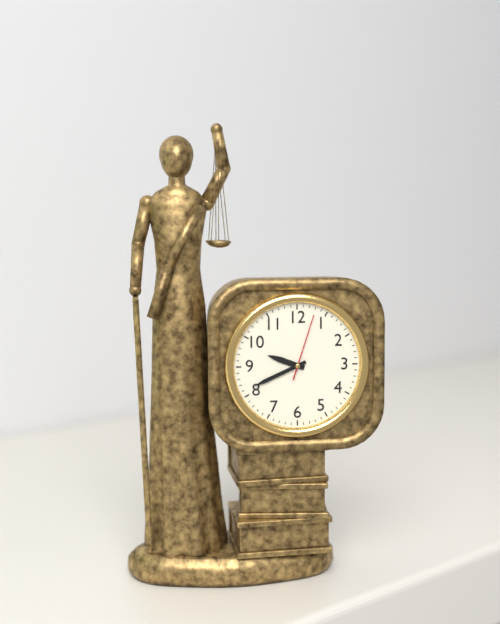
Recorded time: 9:41:03
